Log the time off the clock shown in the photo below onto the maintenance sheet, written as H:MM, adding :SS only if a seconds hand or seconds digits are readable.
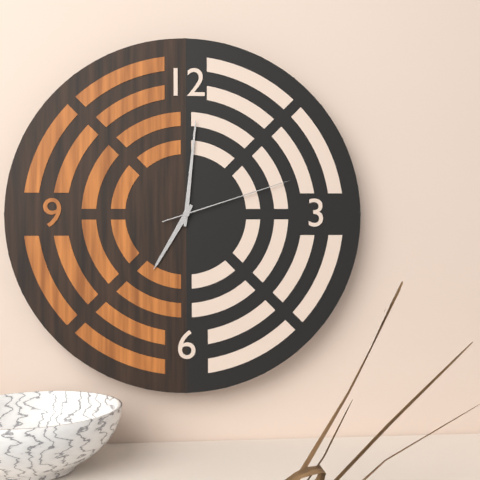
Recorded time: 7:01:12
